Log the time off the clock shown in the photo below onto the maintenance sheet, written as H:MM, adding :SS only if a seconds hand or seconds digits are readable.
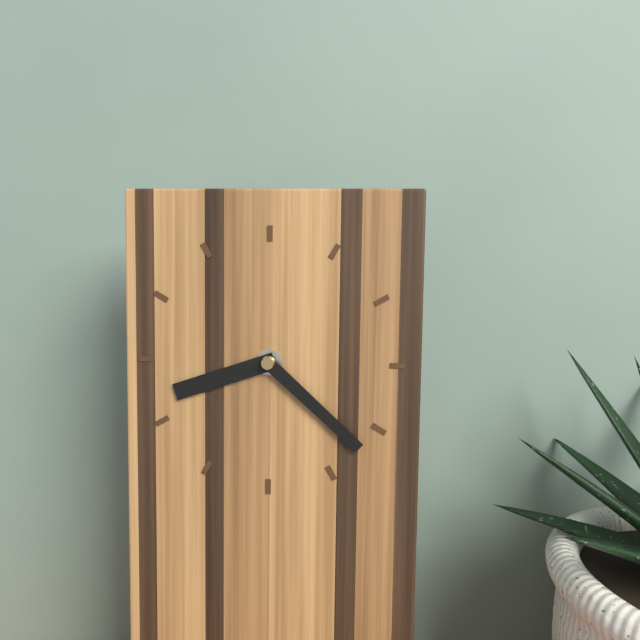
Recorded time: 8:22
